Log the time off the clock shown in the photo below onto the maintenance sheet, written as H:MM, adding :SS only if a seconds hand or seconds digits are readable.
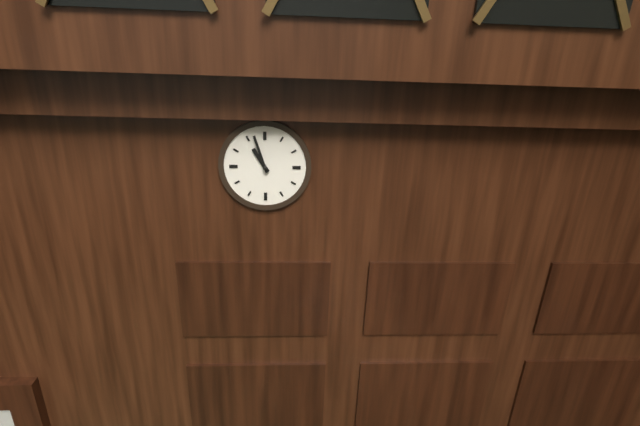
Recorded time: 10:57
